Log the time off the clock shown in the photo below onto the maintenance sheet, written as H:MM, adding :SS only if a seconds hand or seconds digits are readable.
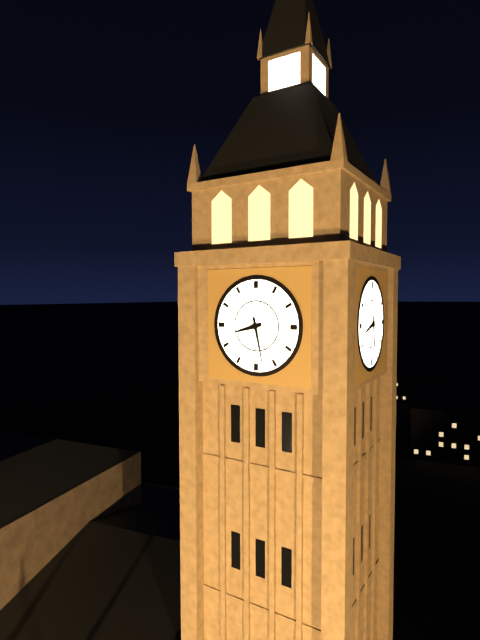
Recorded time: 8:28
